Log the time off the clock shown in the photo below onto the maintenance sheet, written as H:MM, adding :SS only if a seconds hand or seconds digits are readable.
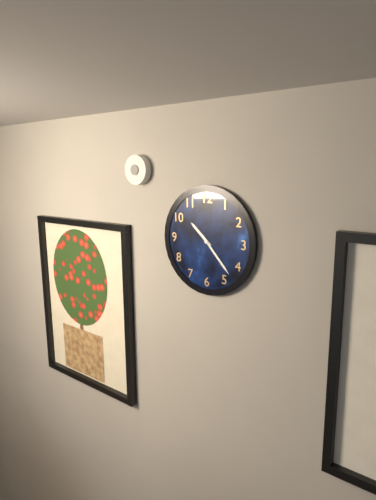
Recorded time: 10:23
